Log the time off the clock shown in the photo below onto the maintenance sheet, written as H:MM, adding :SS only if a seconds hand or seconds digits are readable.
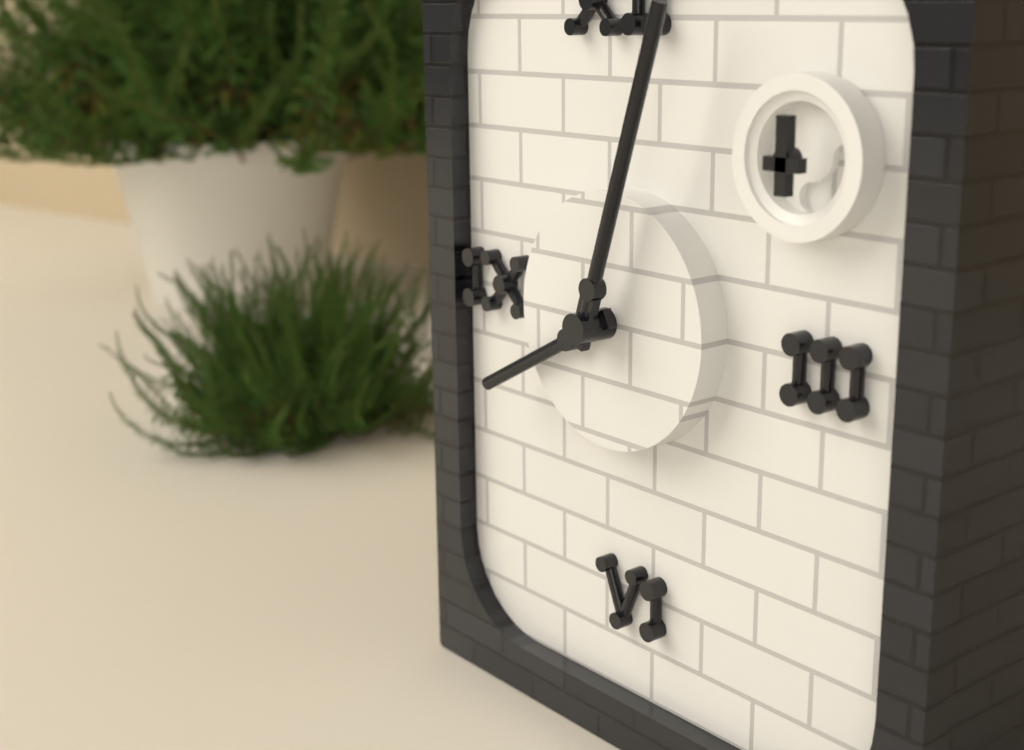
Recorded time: 8:03
